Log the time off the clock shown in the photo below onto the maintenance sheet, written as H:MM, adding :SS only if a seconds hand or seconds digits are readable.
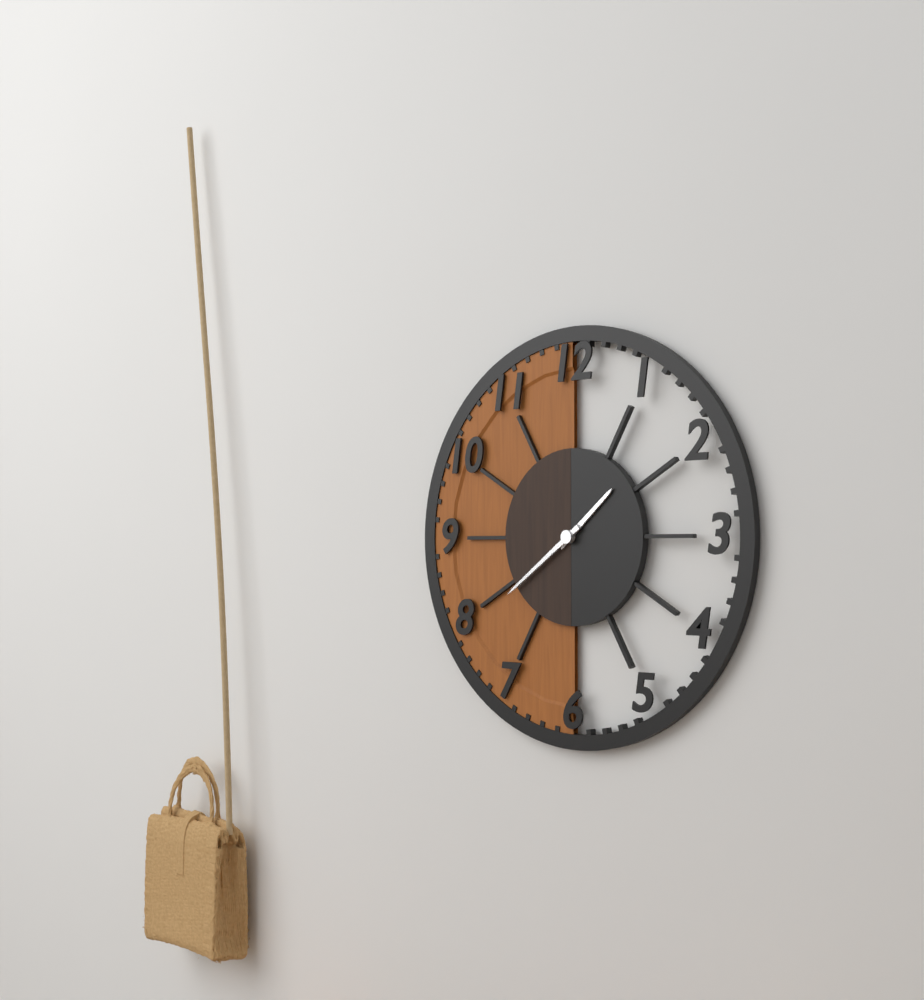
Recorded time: 1:39
